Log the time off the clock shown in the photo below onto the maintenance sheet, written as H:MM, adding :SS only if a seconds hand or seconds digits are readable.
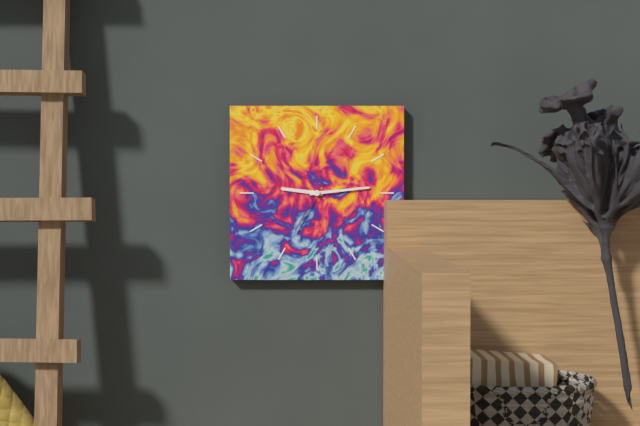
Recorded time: 9:14:35
